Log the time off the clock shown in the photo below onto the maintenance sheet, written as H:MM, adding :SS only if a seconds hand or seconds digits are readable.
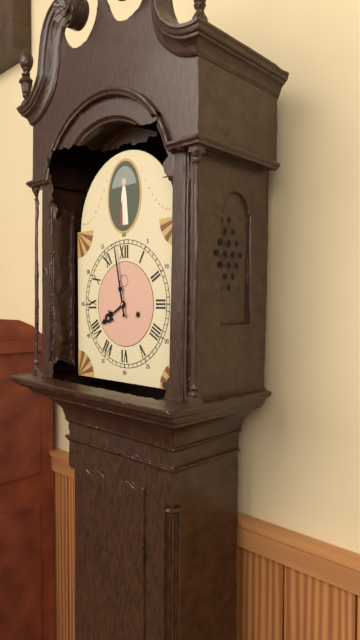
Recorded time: 7:58
